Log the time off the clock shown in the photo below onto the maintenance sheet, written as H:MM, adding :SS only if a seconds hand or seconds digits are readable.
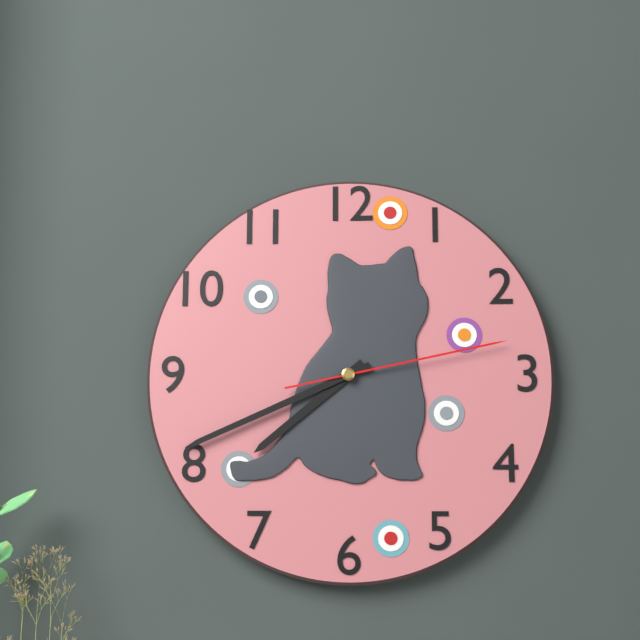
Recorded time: 7:41:13
